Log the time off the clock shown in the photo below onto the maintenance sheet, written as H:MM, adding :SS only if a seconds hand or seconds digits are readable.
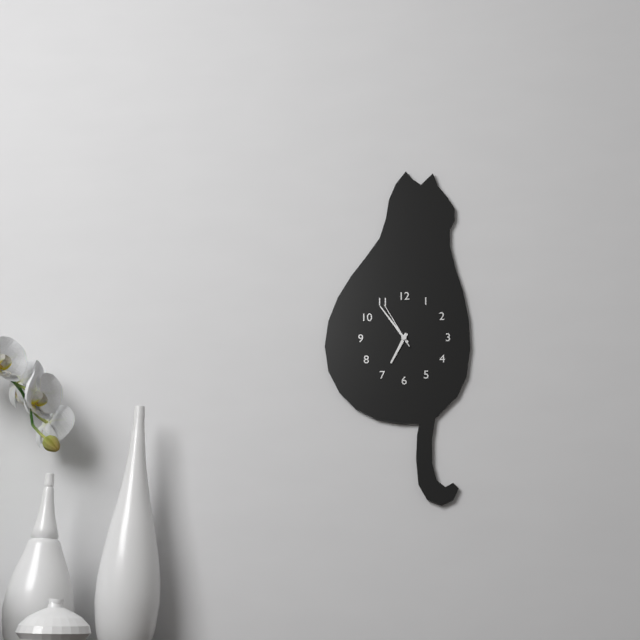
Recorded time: 6:54
